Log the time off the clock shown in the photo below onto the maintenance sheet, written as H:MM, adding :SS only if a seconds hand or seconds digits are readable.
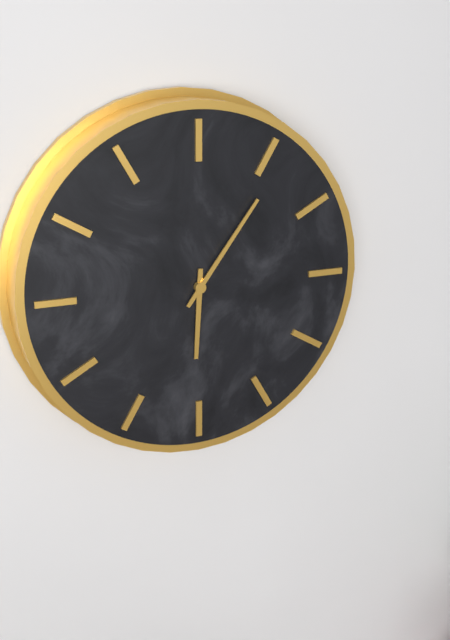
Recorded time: 6:06
